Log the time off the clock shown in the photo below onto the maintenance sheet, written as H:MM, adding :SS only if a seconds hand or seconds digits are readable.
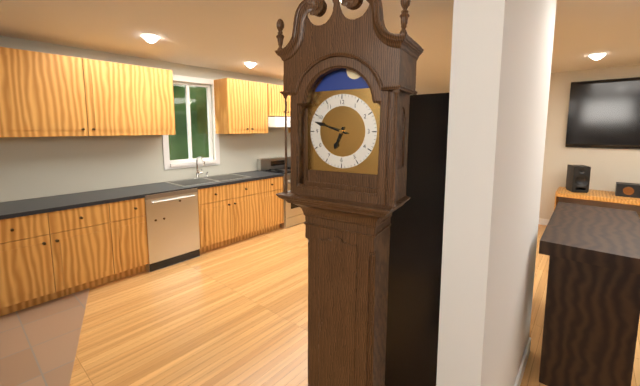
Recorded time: 6:48
